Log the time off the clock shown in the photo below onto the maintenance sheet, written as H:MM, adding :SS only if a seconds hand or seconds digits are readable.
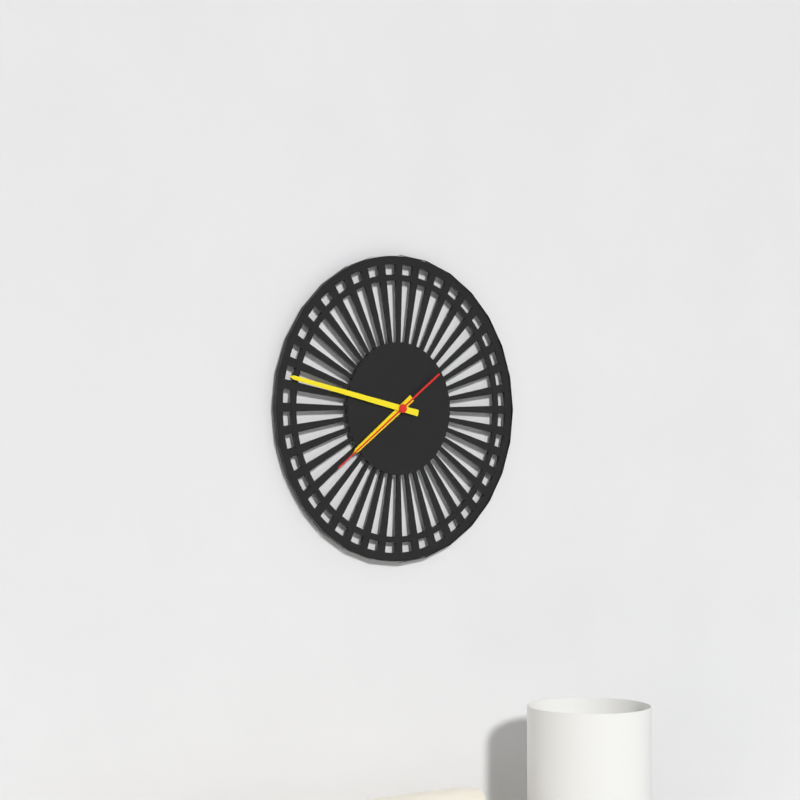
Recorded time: 7:47:39
